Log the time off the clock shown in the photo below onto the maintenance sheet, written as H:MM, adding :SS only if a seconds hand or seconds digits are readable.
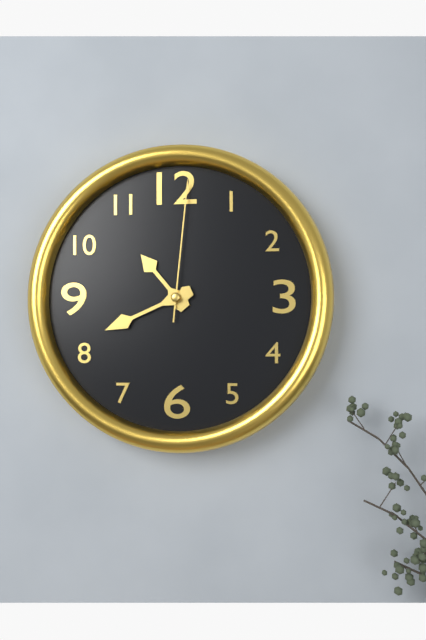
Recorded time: 10:41:01
